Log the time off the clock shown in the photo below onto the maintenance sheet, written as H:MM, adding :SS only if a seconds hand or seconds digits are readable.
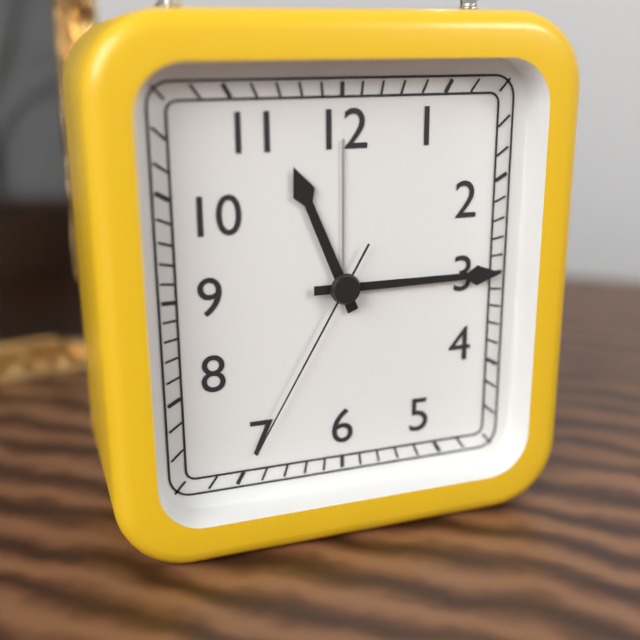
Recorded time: 11:15:35
